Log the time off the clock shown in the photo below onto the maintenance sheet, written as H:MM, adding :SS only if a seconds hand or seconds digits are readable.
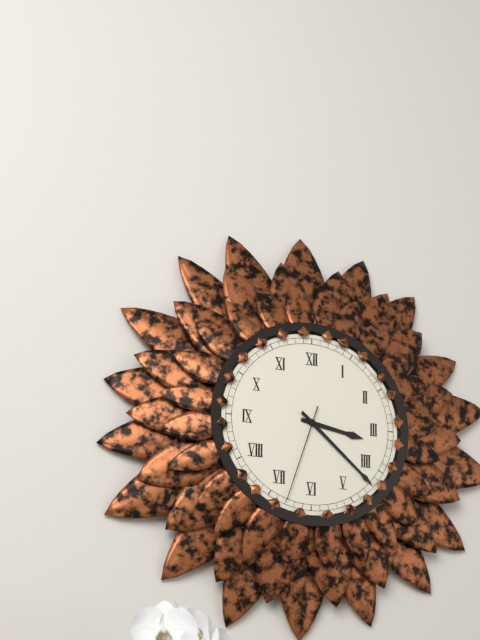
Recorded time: 3:22:33
